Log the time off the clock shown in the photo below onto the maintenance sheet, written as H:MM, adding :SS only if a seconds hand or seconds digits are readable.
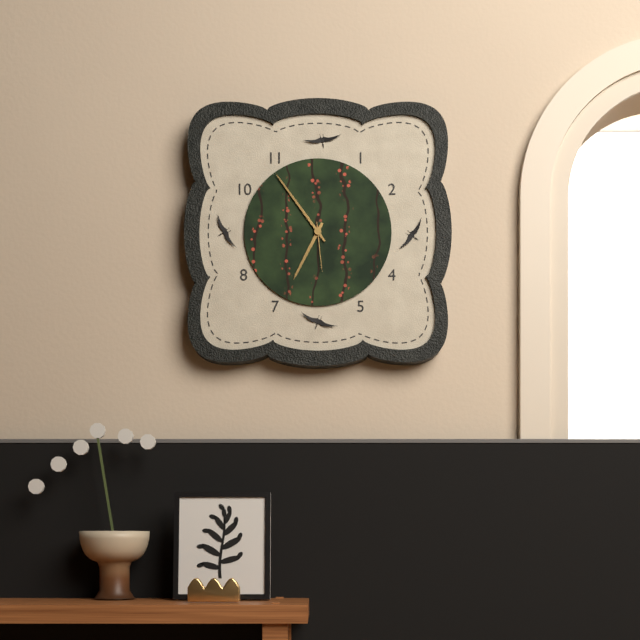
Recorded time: 6:54:29
